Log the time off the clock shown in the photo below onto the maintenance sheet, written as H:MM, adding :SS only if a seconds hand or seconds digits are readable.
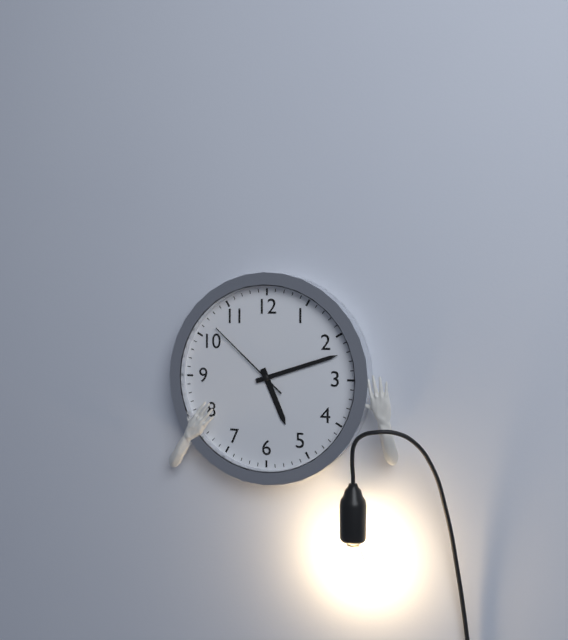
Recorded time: 5:12:52
